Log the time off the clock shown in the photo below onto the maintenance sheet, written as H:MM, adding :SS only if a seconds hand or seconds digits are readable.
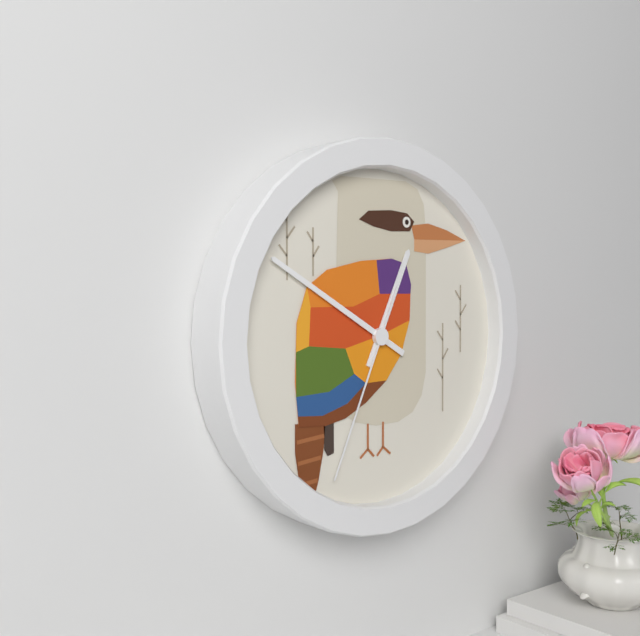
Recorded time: 12:50:34
